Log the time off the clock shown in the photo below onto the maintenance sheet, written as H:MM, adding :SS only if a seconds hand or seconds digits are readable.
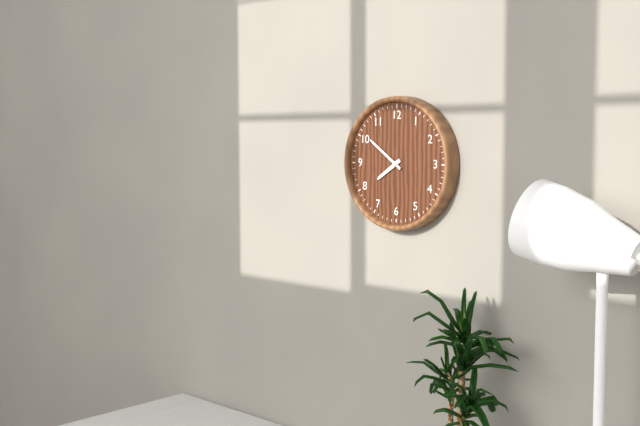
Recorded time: 7:51
